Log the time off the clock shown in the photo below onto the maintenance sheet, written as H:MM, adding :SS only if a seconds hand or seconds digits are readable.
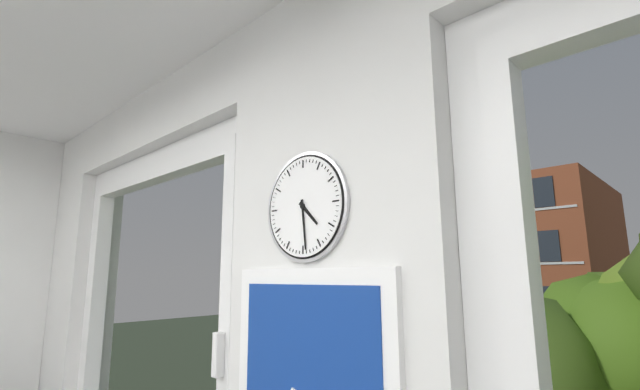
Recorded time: 4:29
